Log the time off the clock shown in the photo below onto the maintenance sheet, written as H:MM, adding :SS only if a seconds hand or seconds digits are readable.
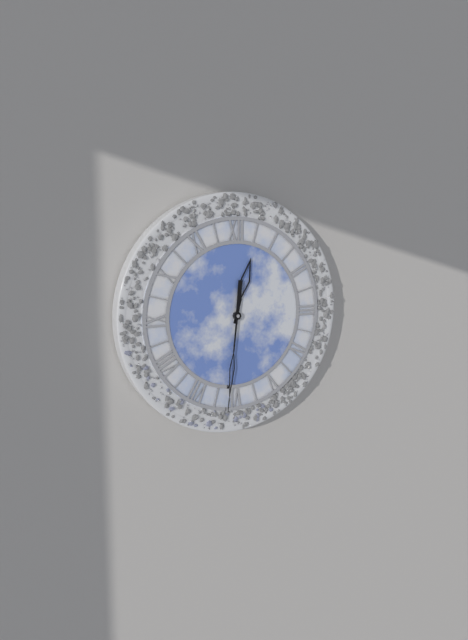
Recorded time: 12:31
